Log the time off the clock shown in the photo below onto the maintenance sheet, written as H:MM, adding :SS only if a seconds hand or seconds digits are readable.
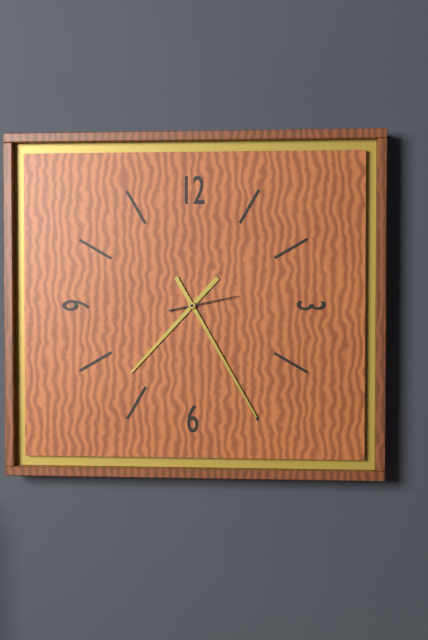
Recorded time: 7:25:13
